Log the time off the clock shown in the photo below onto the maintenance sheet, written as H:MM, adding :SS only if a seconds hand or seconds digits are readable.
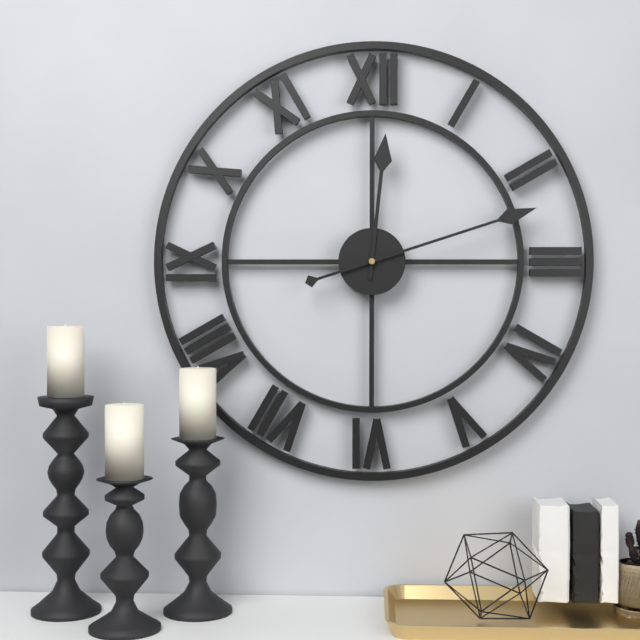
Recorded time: 12:12
